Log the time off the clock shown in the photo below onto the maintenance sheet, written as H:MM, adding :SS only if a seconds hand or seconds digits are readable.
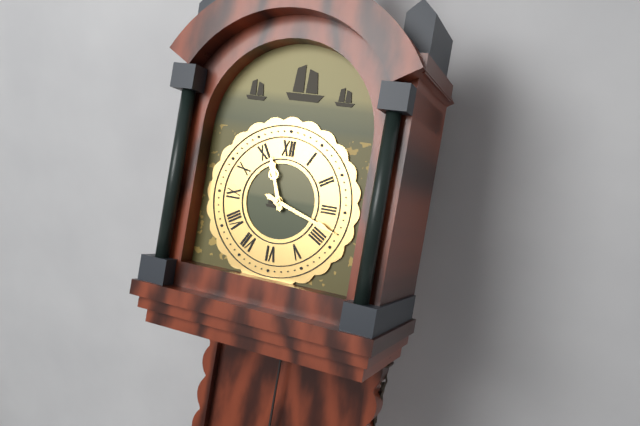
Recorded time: 11:18
